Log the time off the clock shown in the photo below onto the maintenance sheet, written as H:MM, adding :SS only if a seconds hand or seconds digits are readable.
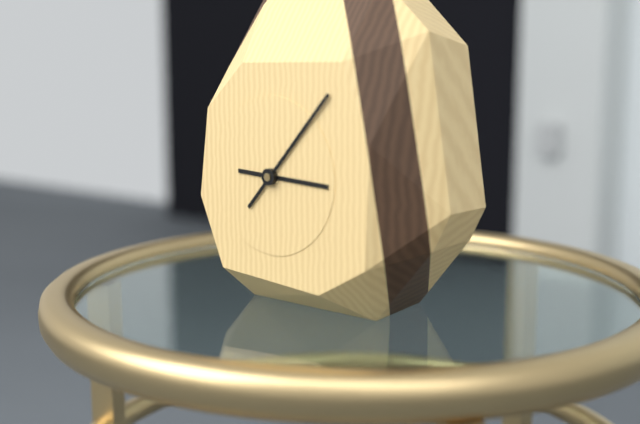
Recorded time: 3:07
